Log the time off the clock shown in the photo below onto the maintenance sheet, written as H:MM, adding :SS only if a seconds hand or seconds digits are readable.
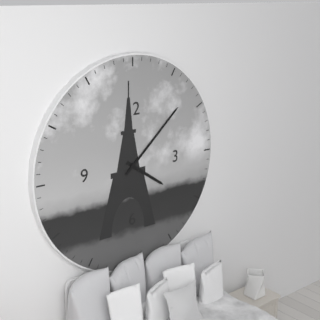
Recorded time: 4:08
